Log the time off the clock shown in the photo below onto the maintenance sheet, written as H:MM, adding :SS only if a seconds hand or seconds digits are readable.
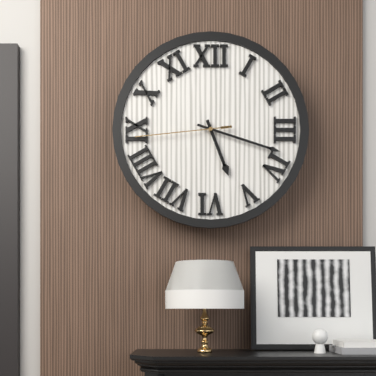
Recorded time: 5:18:44
